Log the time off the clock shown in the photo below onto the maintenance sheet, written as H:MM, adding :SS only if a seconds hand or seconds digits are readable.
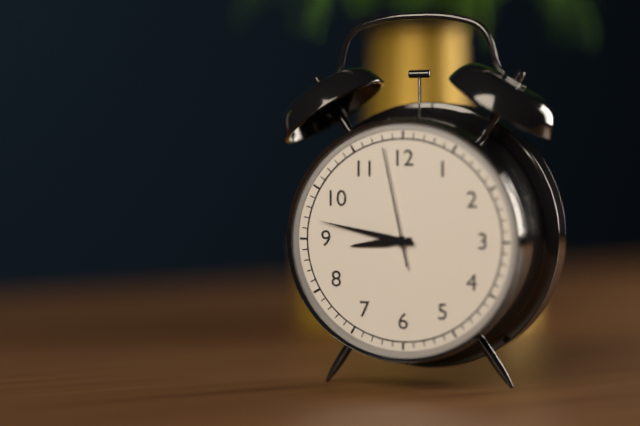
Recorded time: 8:47:58
